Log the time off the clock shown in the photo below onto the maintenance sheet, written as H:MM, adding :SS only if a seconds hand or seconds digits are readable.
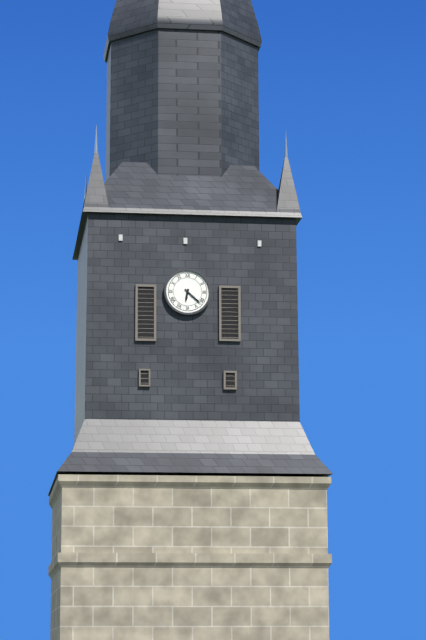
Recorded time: 6:22
